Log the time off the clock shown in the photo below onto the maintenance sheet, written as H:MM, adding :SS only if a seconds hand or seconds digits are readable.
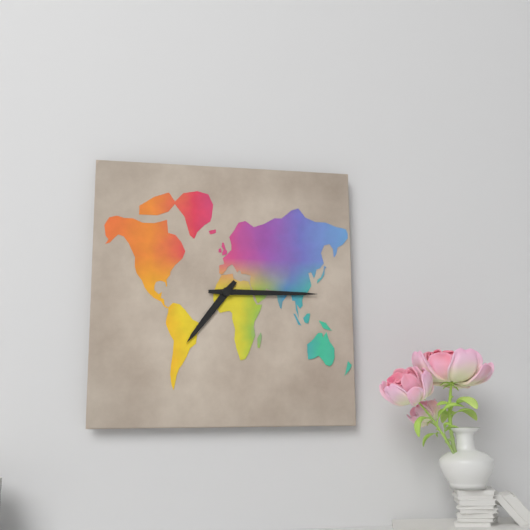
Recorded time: 7:15
